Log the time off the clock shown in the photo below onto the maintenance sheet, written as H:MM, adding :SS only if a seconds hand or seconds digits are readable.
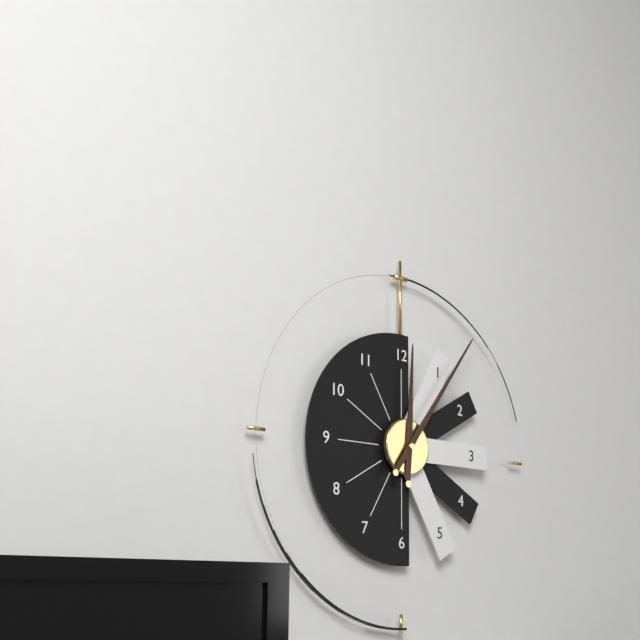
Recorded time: 12:06
